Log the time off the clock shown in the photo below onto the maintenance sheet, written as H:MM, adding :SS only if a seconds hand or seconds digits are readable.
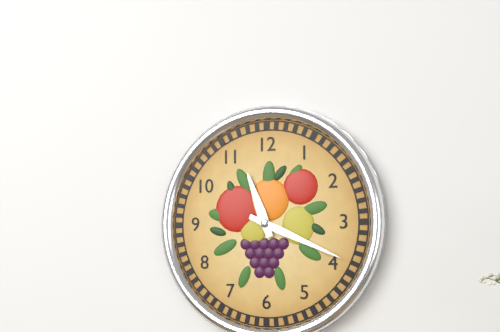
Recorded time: 11:19
